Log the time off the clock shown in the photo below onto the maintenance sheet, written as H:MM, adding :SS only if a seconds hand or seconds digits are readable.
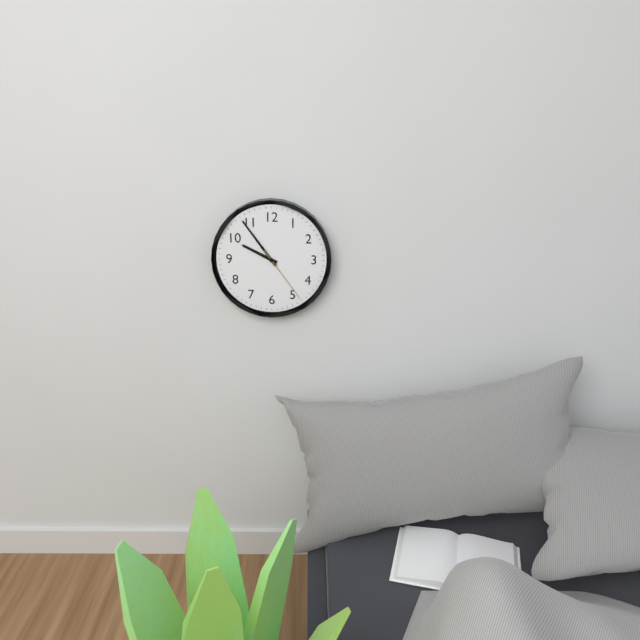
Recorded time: 9:54:24
